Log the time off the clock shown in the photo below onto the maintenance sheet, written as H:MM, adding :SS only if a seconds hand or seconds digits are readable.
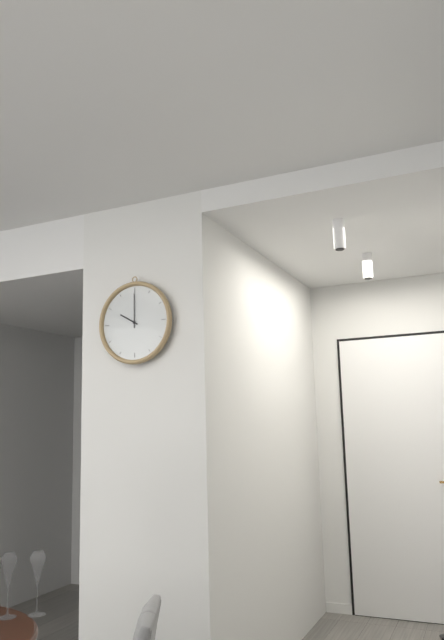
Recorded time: 10:00
